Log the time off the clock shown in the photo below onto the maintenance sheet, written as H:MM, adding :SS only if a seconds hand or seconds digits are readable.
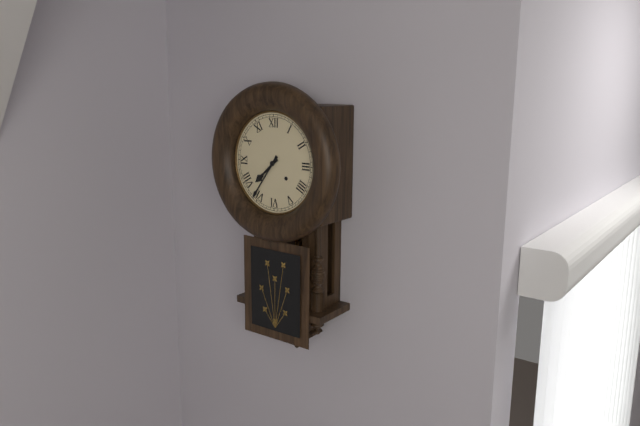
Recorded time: 7:36
